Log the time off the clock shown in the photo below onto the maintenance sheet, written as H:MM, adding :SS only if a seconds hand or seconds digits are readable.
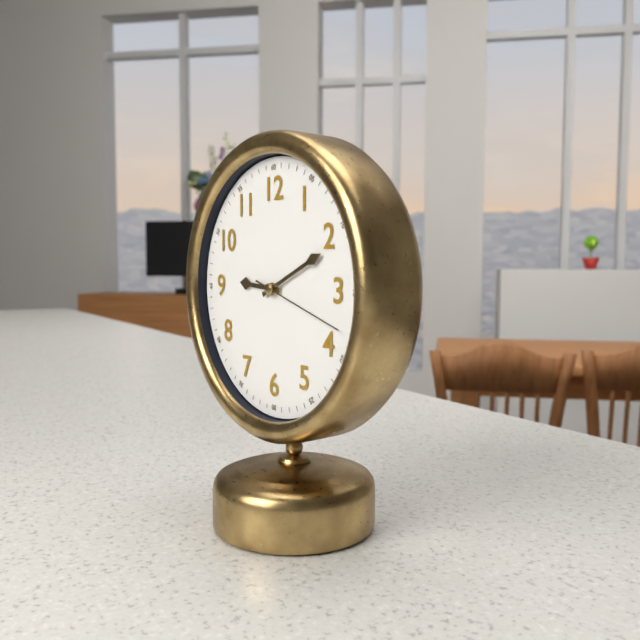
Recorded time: 9:11:18
